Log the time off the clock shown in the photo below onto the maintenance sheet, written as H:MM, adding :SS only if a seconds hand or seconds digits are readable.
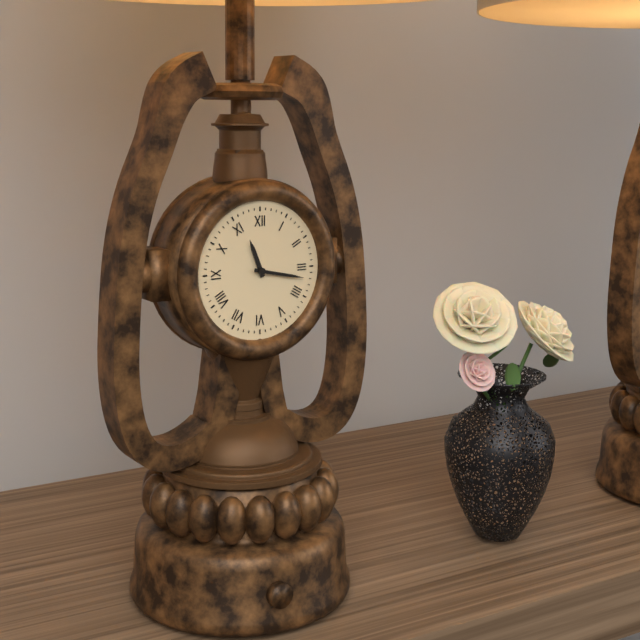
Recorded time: 11:17
